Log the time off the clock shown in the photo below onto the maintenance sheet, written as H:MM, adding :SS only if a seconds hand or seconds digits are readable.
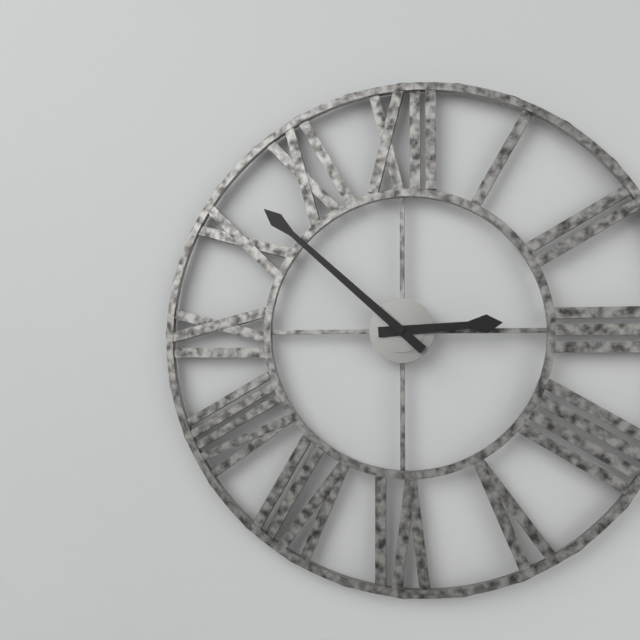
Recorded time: 2:52
